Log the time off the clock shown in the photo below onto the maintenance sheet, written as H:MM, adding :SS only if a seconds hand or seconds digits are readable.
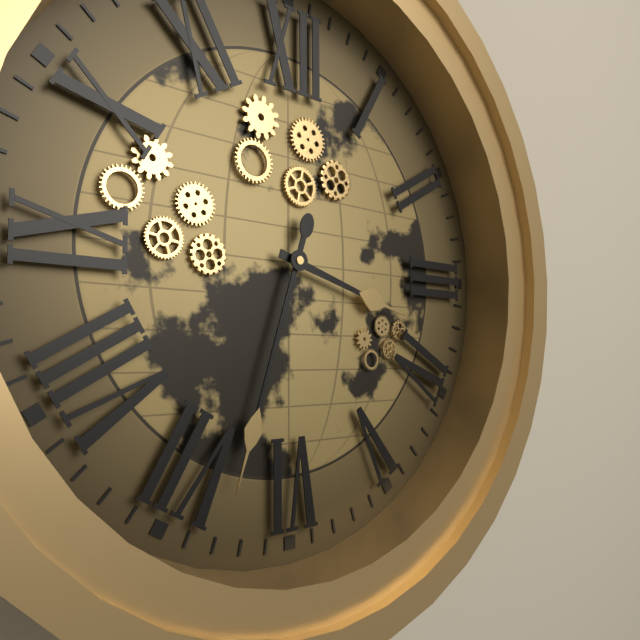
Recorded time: 3:33
